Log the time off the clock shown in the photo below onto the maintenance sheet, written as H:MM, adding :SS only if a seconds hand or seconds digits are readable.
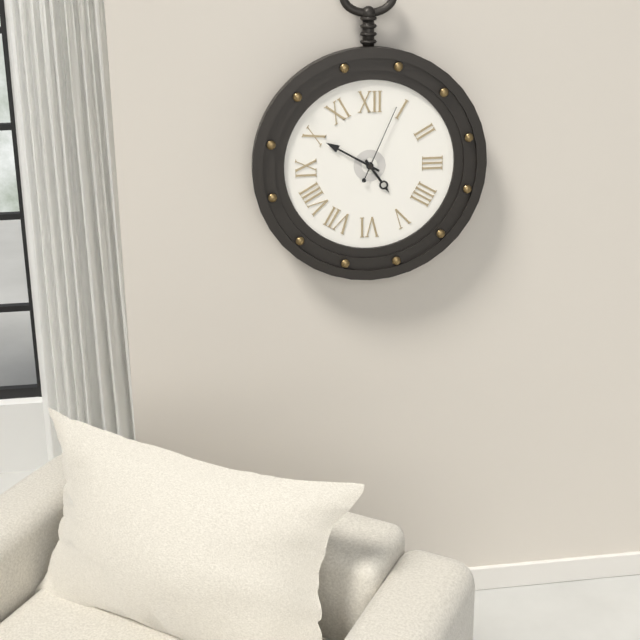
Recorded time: 4:50:04
